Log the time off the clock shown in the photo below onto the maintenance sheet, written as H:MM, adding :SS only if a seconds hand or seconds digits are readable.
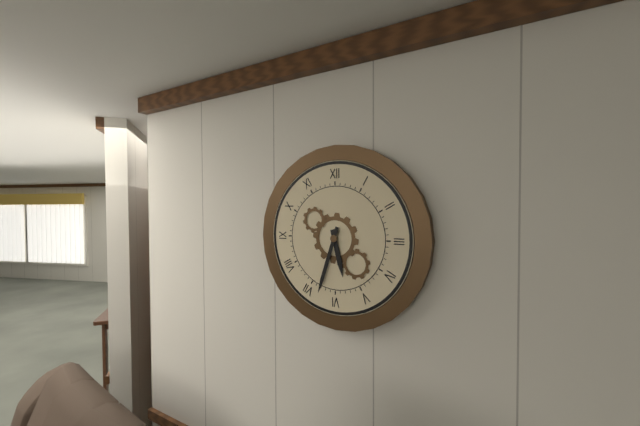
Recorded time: 5:33
